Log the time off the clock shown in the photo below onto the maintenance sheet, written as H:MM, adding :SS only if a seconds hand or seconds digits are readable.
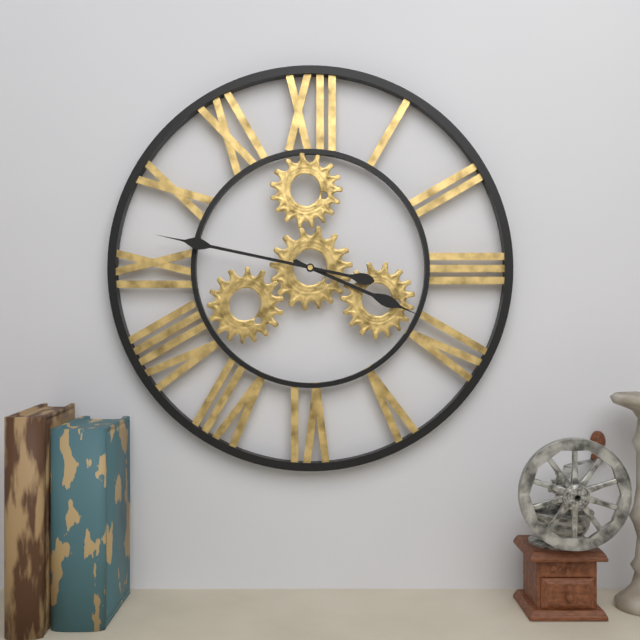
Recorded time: 3:47
